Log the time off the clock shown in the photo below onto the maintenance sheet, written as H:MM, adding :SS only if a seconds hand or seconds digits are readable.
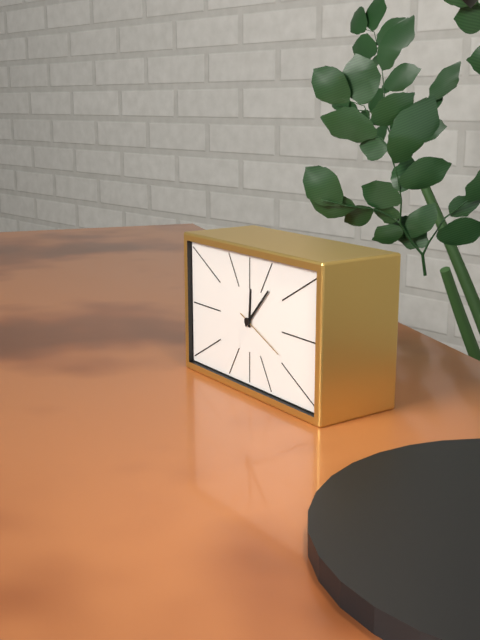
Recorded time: 12:07:19
